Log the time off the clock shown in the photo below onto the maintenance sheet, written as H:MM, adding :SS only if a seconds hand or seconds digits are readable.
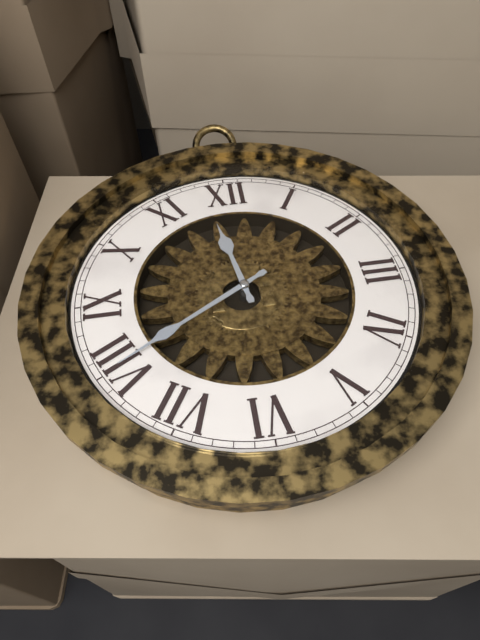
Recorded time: 11:40
